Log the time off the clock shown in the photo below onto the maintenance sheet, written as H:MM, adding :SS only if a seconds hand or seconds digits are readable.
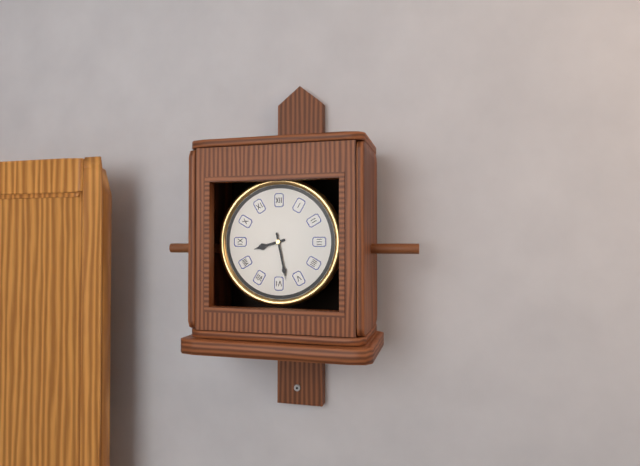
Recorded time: 8:28
